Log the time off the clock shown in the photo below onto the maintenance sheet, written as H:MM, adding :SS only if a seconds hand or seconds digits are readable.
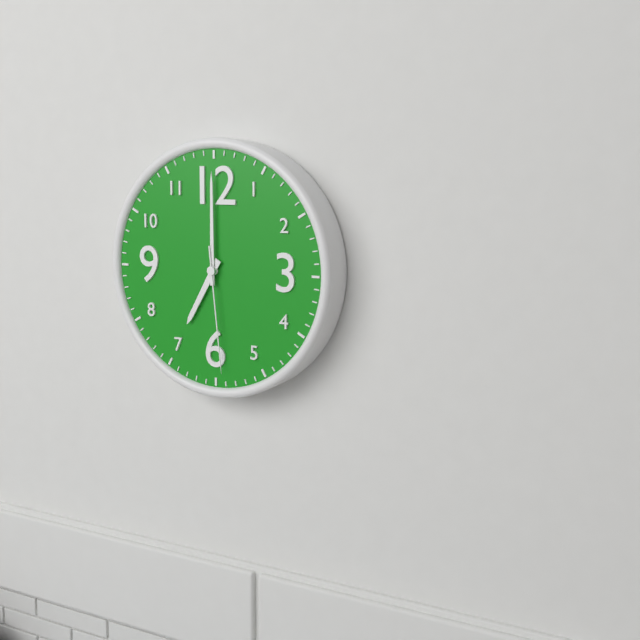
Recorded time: 7:00:29
